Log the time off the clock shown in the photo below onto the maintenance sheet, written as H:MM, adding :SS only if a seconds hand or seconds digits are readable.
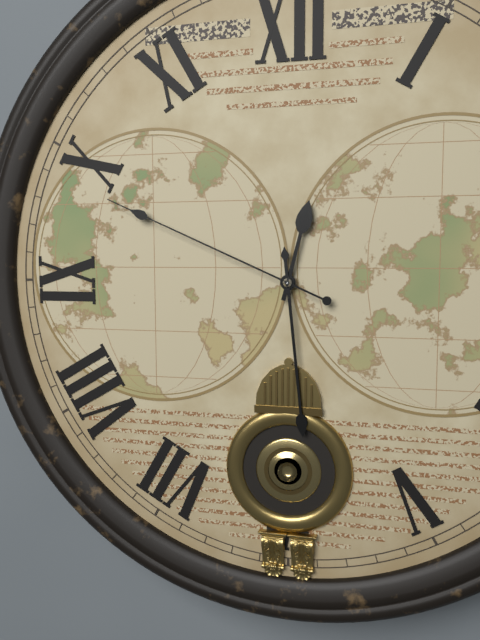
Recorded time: 12:29:49
